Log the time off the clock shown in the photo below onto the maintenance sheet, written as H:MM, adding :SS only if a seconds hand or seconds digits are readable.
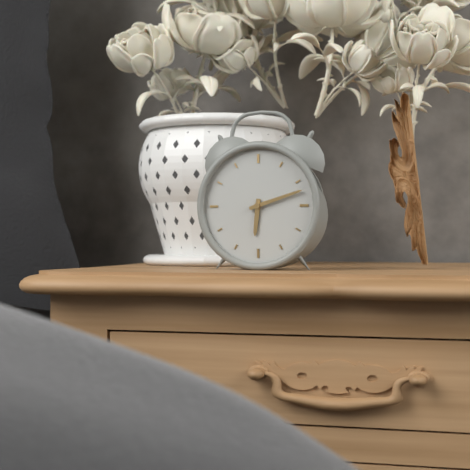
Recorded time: 6:12
